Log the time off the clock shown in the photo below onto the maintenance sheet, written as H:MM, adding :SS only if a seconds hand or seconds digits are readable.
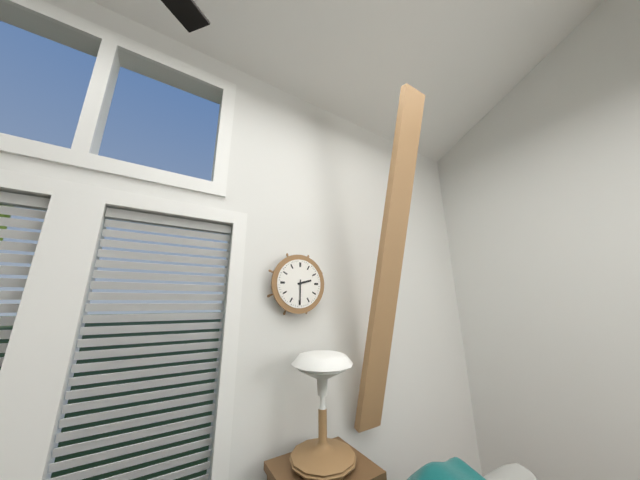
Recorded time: 2:30
